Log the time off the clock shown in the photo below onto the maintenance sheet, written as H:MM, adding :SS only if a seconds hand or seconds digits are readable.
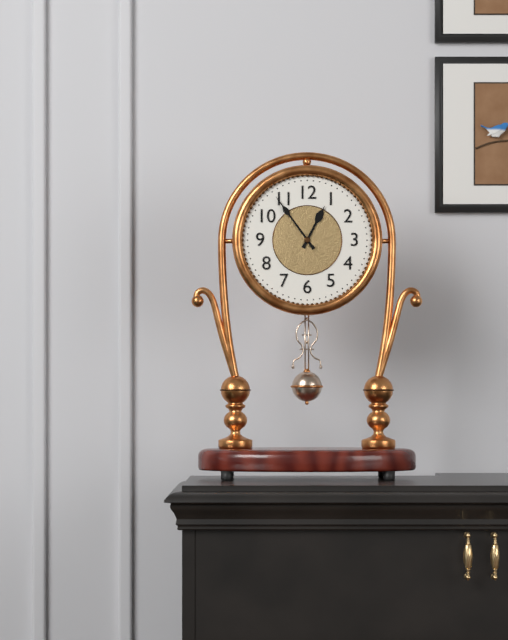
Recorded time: 12:54
